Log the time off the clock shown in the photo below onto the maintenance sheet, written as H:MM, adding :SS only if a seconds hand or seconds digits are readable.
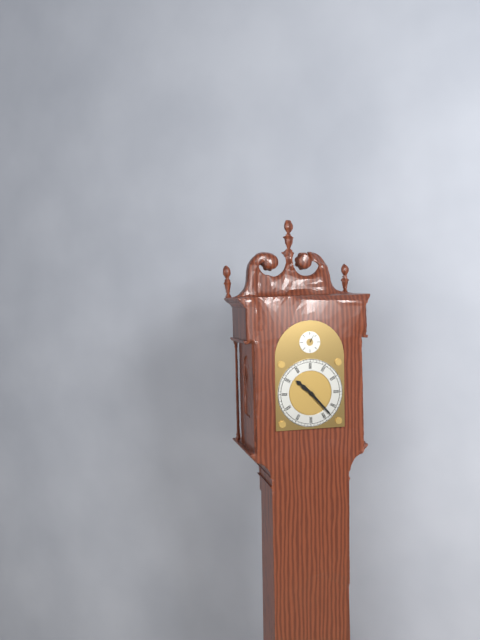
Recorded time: 10:23
